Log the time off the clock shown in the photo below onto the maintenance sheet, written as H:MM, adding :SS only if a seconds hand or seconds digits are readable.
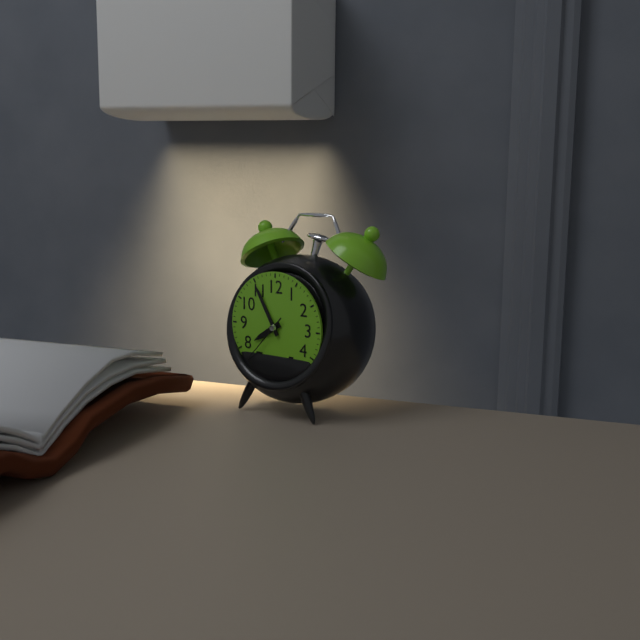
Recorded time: 7:55:37
